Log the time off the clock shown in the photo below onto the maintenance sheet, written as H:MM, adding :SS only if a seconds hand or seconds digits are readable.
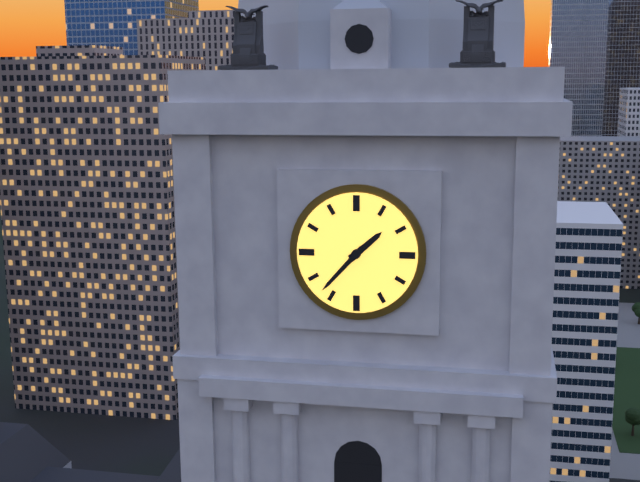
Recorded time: 1:37
